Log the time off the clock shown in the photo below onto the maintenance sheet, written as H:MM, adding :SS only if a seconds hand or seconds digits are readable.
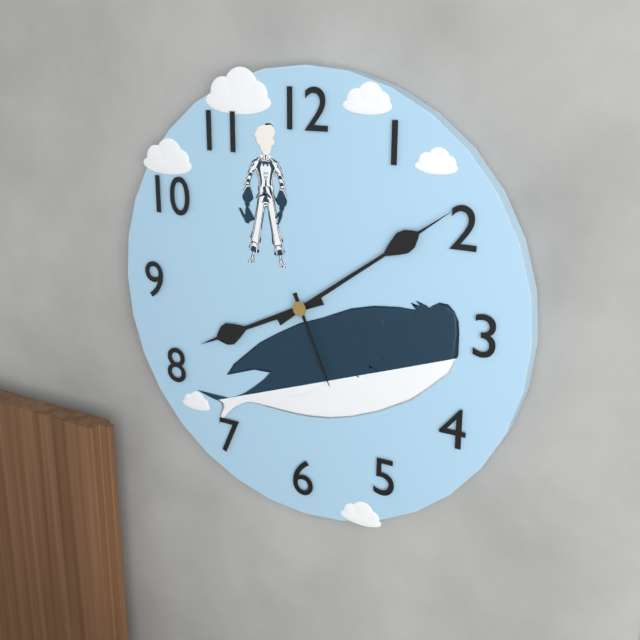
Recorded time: 8:09:26
